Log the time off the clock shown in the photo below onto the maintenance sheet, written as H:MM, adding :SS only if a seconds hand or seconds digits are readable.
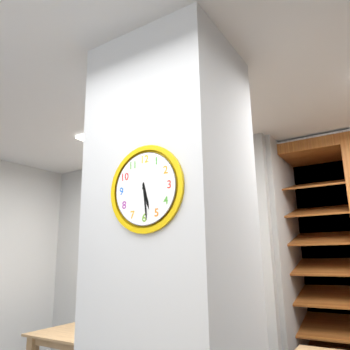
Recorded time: 5:29
